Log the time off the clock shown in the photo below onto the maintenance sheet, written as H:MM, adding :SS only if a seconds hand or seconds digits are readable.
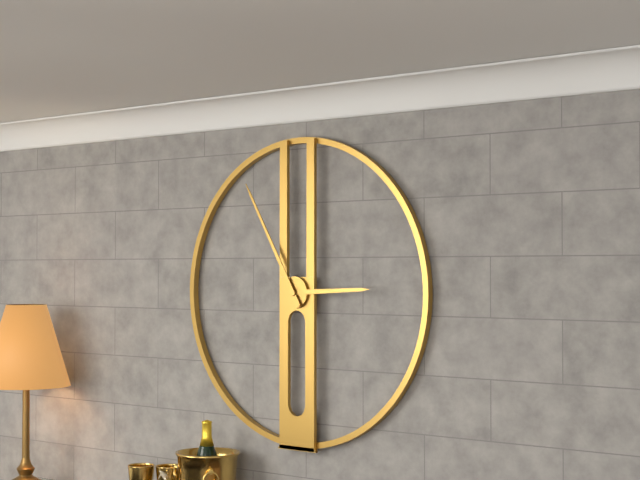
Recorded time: 2:55
